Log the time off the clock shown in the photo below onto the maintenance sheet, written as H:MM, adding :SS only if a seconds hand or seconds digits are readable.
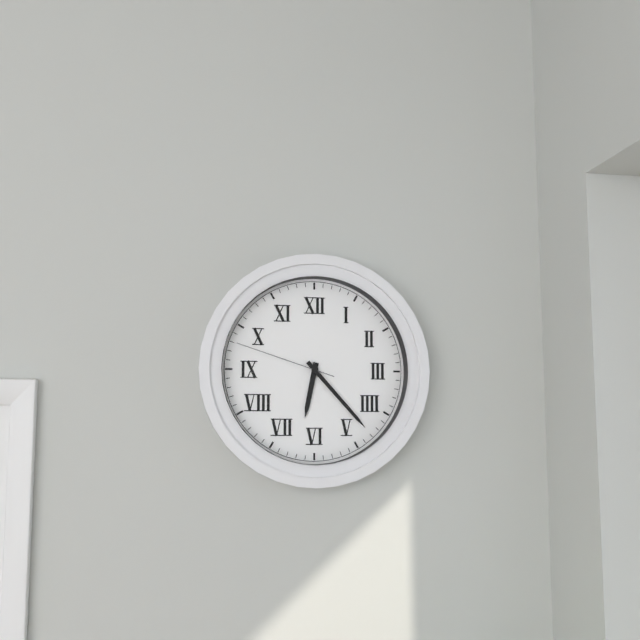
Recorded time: 6:23:48
